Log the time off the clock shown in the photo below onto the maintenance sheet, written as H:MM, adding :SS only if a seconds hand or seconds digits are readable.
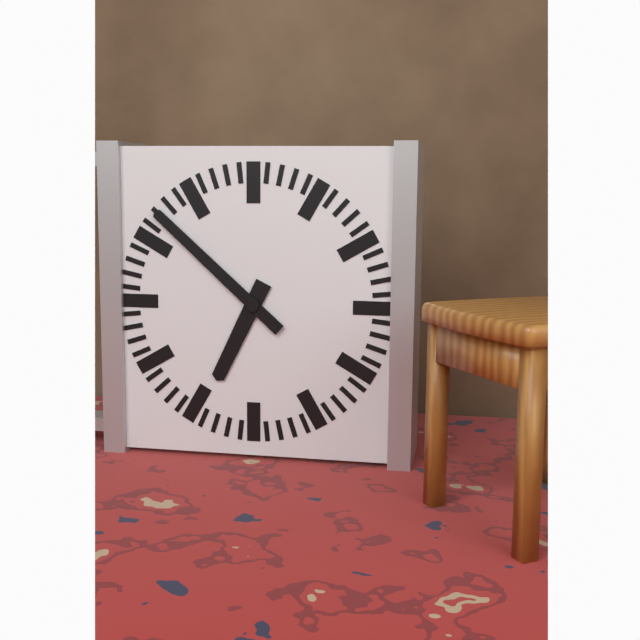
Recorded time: 6:52
